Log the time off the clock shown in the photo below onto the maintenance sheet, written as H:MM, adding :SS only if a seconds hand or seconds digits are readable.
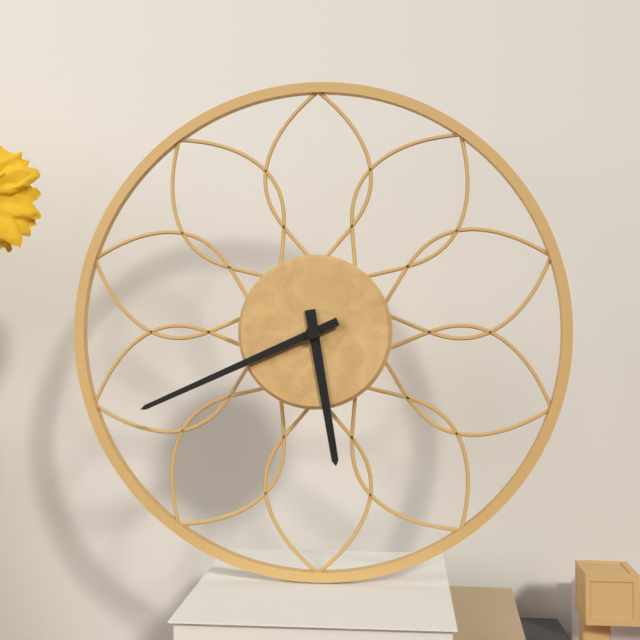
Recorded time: 5:41
